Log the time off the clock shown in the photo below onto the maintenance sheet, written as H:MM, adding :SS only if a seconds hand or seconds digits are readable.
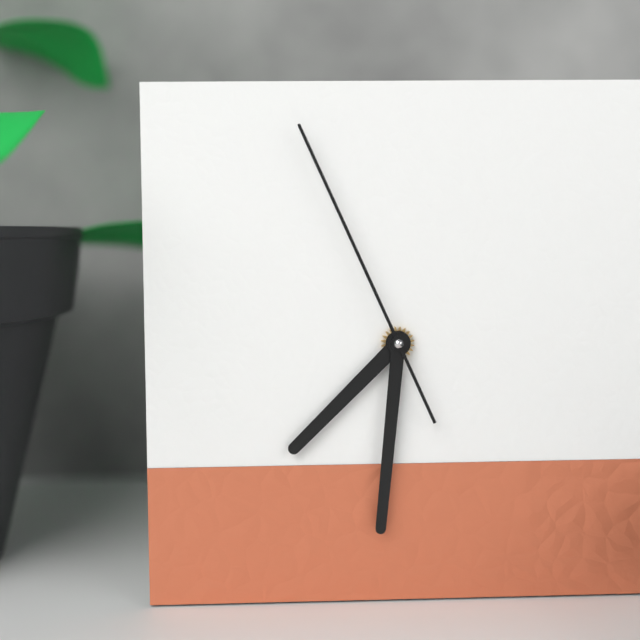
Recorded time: 7:31:56
